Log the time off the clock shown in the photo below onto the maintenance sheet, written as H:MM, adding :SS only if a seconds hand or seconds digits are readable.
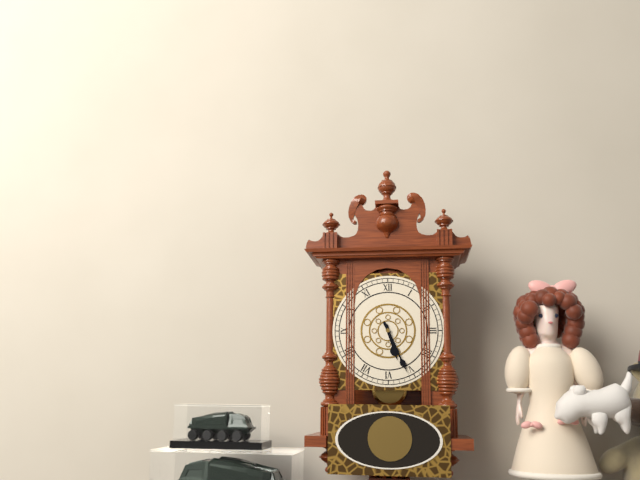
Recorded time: 5:26
